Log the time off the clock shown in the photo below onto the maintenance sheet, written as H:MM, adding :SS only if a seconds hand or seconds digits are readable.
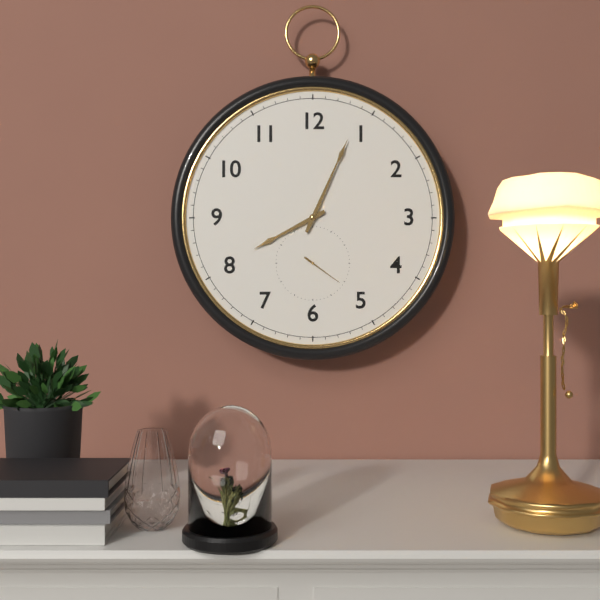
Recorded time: 8:04
